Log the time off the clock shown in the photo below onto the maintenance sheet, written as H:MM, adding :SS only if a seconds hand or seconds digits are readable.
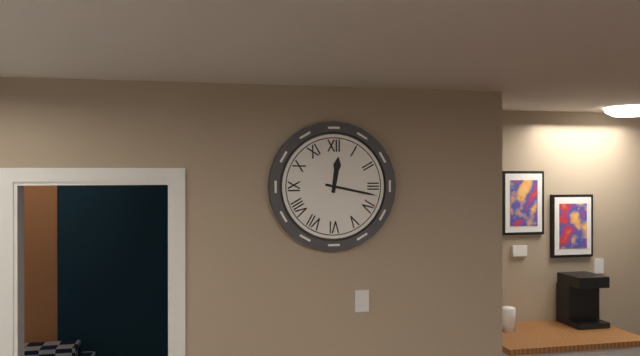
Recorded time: 12:17
